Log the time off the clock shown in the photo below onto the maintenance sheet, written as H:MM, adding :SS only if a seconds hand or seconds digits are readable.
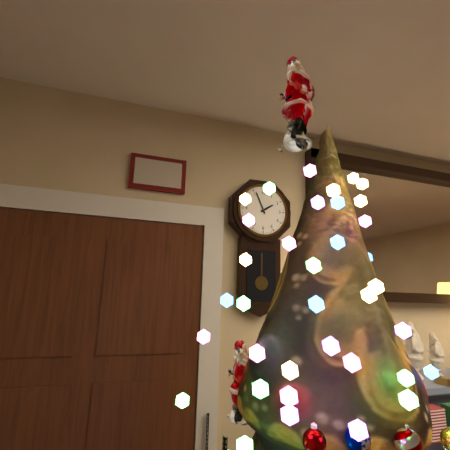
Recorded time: 1:56
